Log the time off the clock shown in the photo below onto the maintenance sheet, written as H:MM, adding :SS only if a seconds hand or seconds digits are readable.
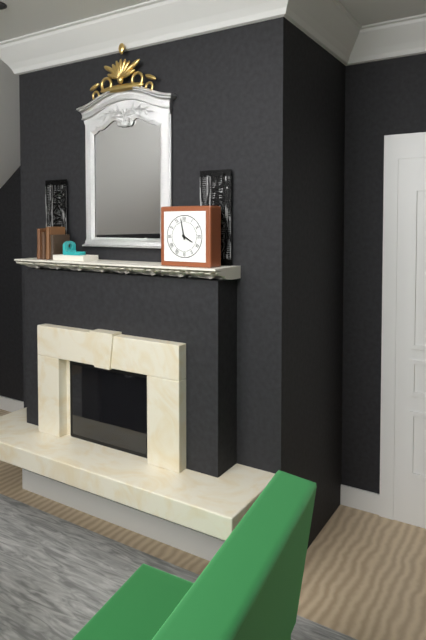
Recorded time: 3:58
